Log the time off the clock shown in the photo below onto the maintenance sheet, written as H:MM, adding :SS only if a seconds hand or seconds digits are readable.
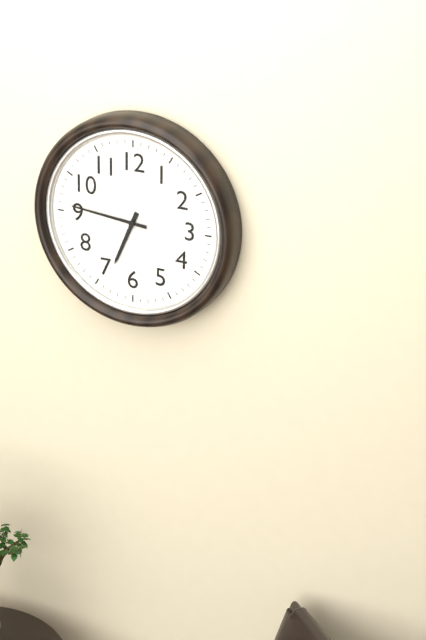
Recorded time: 6:46
